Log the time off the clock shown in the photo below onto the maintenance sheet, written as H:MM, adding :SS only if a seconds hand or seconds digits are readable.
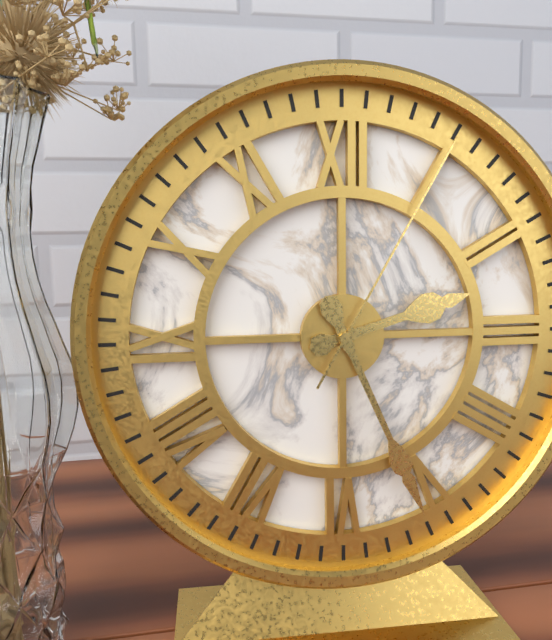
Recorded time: 2:26:05
